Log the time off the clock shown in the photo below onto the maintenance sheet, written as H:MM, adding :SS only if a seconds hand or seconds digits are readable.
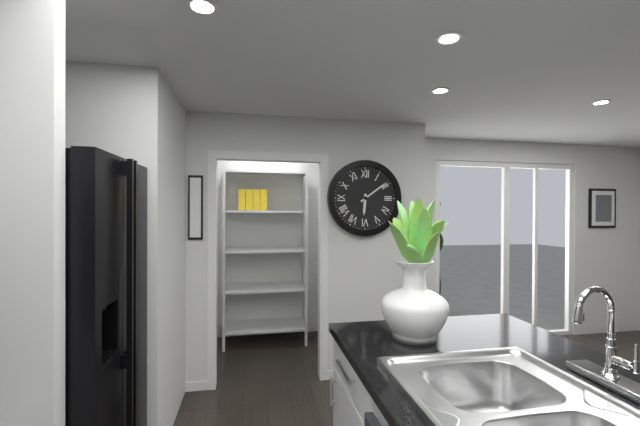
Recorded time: 6:09
